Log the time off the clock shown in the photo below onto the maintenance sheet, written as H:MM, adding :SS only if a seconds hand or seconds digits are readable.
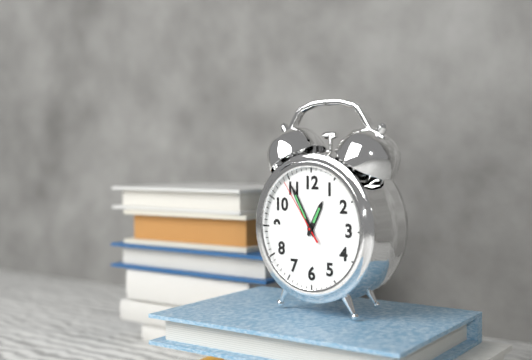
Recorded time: 12:55:54
